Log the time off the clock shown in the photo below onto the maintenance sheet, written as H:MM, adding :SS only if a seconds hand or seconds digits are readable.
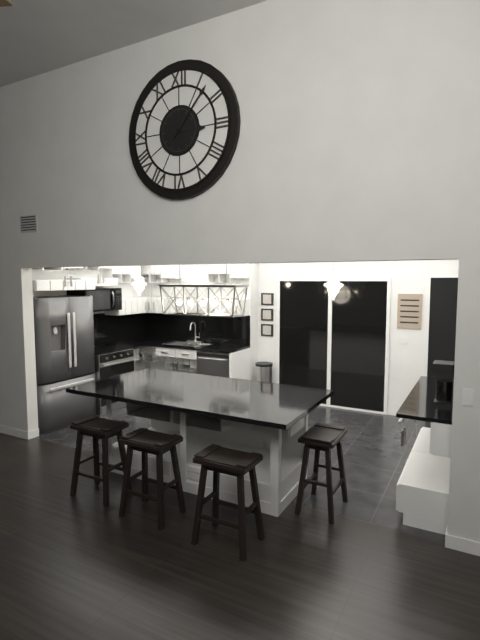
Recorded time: 3:07
